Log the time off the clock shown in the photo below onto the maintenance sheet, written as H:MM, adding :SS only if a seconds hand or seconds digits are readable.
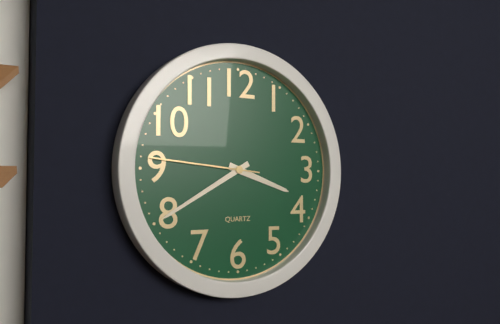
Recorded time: 3:40:46
